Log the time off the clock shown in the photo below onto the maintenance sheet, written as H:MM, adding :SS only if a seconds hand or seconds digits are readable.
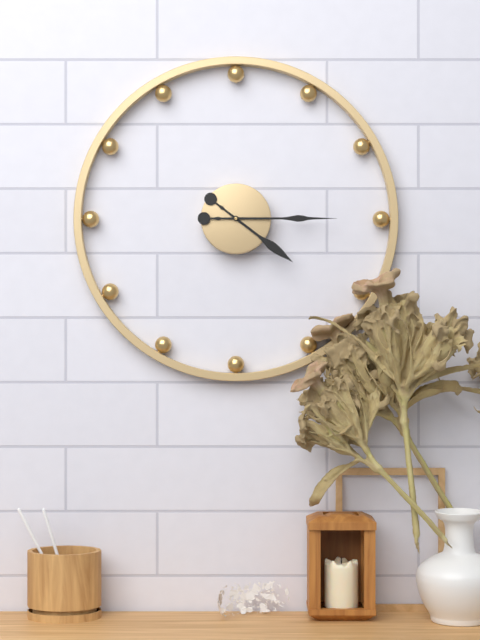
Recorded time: 4:15
